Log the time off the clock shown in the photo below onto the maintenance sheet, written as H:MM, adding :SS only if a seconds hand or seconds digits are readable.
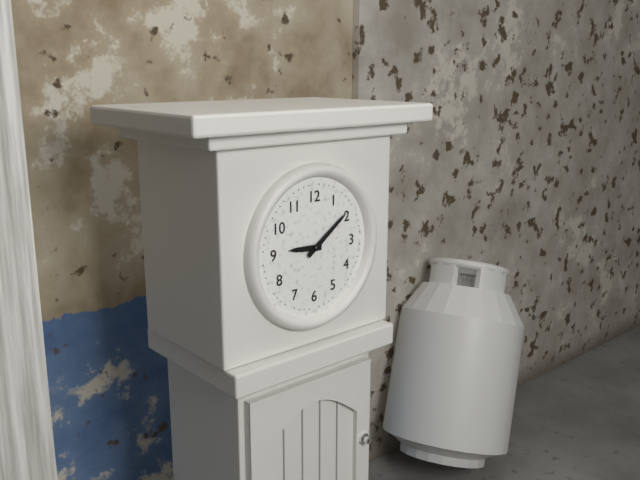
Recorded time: 9:09
